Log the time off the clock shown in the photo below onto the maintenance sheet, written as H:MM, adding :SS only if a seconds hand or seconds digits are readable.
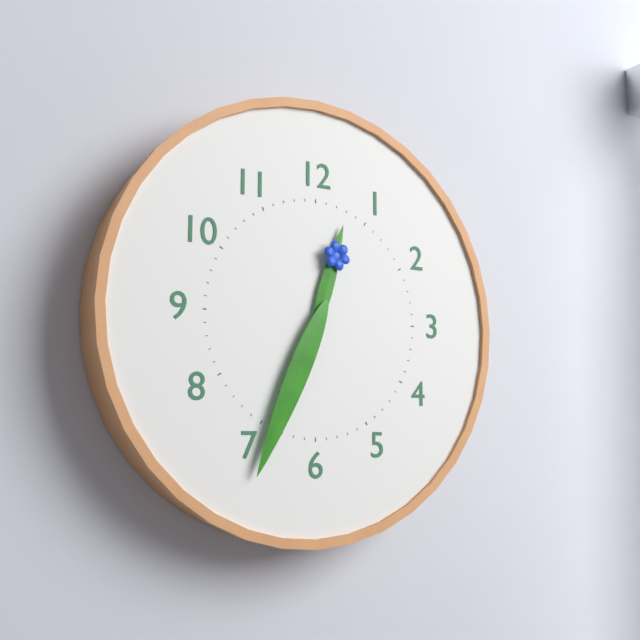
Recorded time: 12:34
